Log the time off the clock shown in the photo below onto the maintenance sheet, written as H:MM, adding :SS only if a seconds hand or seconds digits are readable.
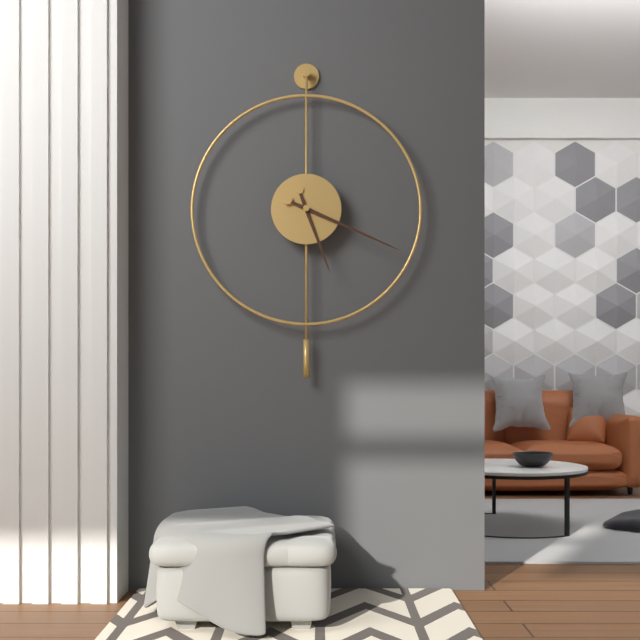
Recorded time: 5:19
